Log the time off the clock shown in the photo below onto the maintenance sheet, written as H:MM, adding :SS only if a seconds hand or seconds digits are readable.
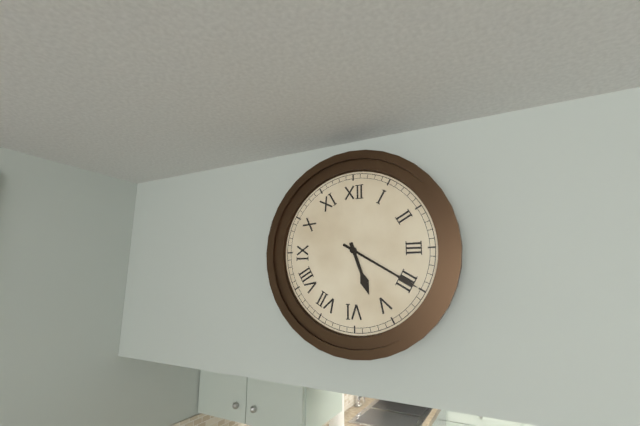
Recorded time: 5:20
